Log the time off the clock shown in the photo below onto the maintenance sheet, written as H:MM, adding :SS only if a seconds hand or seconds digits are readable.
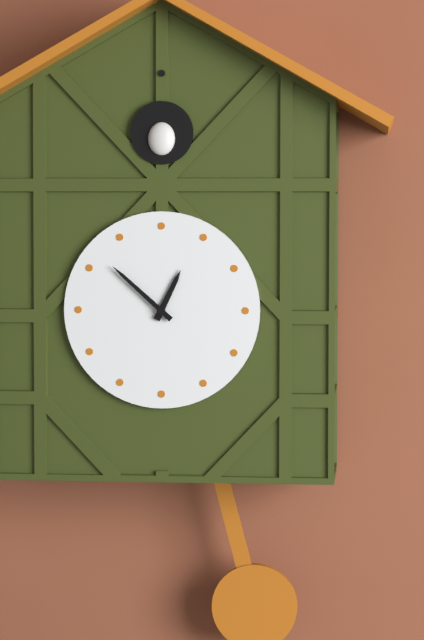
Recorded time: 12:52
